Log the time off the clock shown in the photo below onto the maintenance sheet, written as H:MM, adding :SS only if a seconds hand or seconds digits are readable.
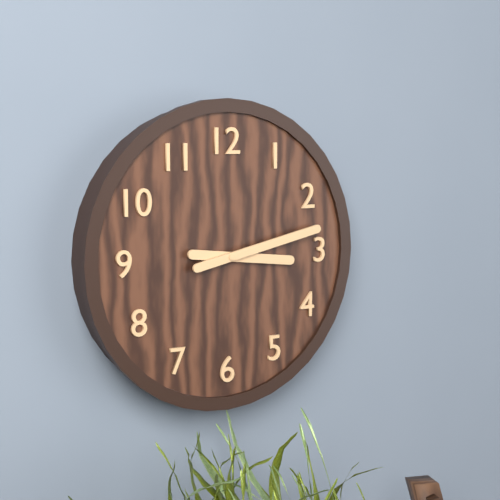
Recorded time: 3:13
